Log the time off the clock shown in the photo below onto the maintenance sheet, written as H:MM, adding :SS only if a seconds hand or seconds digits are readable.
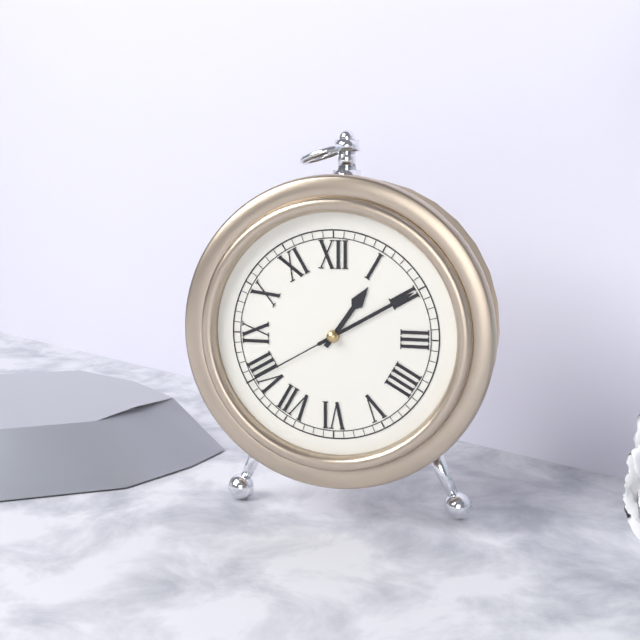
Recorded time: 1:10:40
